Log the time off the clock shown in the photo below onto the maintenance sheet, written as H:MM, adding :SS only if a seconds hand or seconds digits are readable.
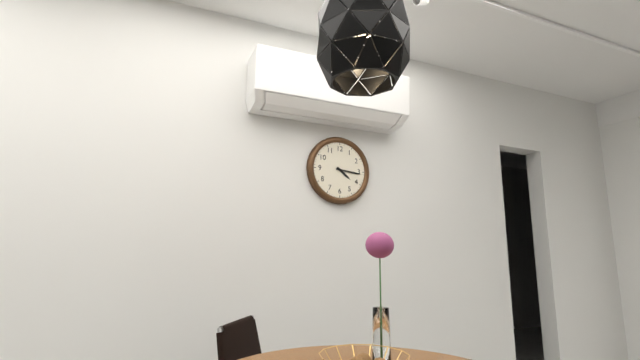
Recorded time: 4:16
